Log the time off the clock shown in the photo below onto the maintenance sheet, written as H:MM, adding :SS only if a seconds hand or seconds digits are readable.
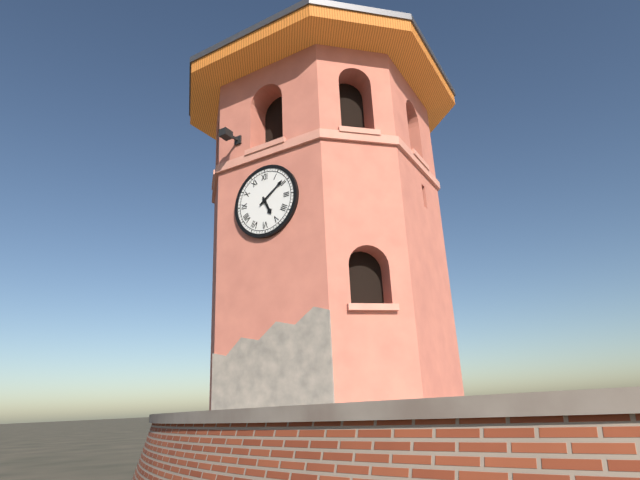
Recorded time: 5:09
